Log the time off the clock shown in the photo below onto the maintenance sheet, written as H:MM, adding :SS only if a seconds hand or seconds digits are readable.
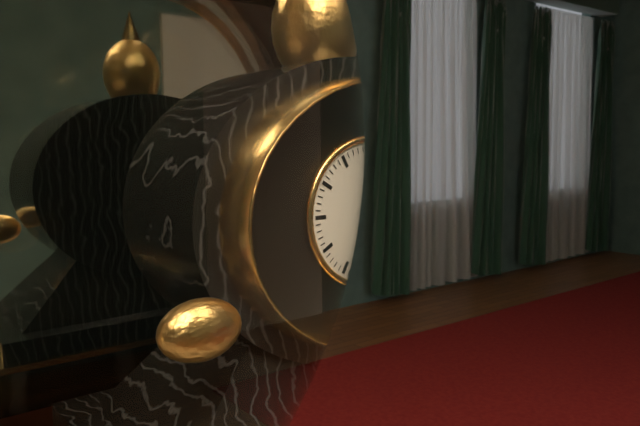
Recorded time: 3:19
